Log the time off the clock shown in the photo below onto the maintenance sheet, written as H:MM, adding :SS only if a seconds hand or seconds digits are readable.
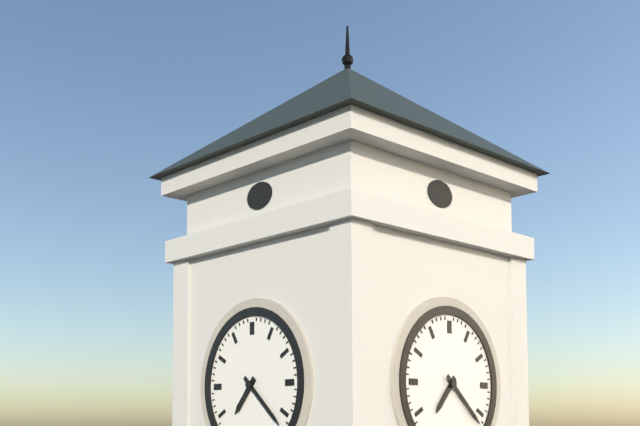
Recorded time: 7:22
